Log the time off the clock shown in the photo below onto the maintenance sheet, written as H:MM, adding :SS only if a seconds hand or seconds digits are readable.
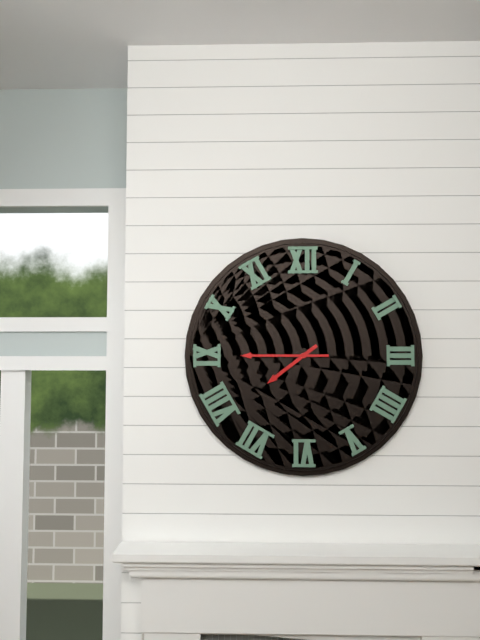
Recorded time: 7:45
